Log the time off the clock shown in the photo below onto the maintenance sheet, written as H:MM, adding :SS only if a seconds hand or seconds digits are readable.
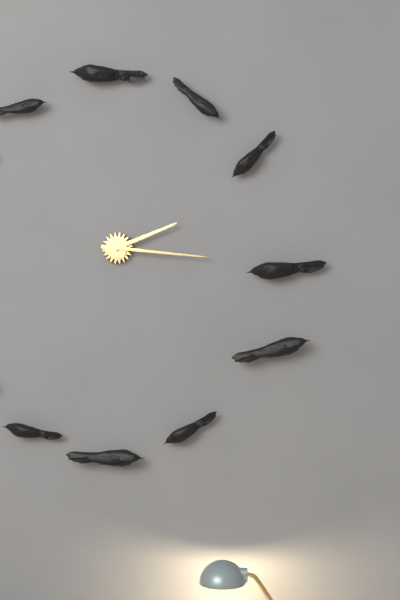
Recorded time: 2:16
